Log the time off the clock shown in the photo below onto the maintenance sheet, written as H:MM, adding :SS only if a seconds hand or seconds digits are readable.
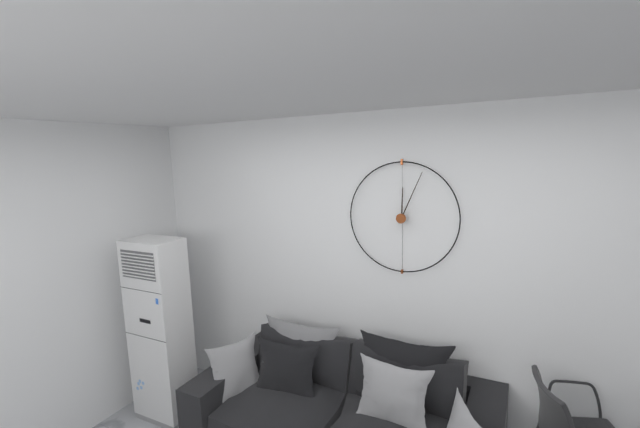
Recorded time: 12:04
